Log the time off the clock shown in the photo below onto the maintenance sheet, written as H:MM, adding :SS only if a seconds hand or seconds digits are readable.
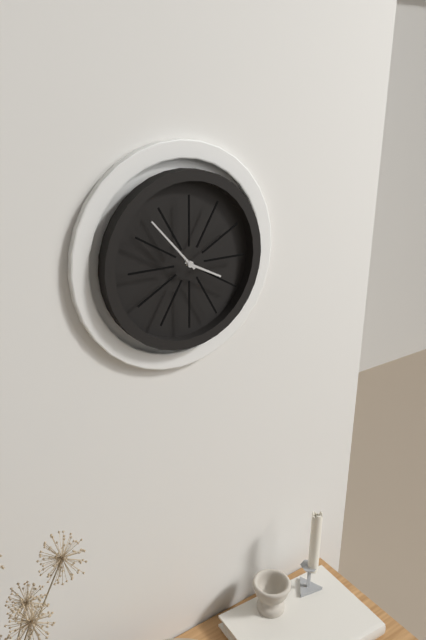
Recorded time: 3:53
